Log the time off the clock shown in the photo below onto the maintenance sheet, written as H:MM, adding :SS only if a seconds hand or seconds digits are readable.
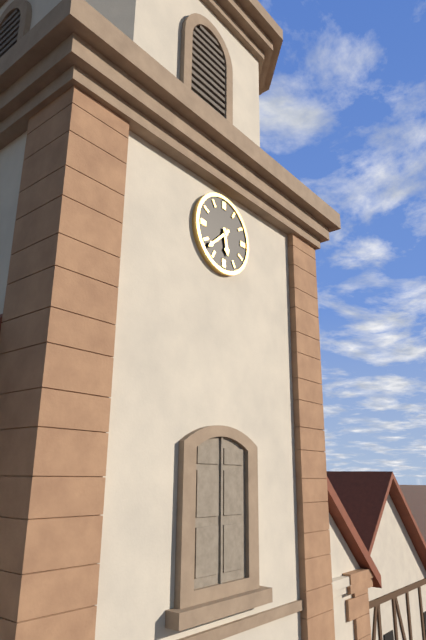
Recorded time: 5:38
